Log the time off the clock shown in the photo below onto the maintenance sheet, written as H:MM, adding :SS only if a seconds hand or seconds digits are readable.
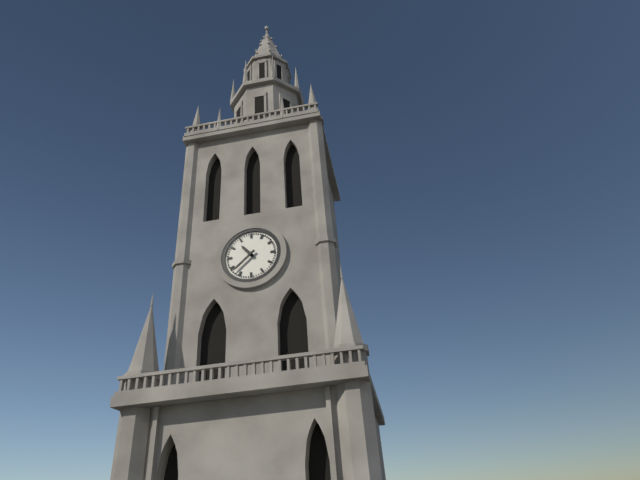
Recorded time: 10:38
